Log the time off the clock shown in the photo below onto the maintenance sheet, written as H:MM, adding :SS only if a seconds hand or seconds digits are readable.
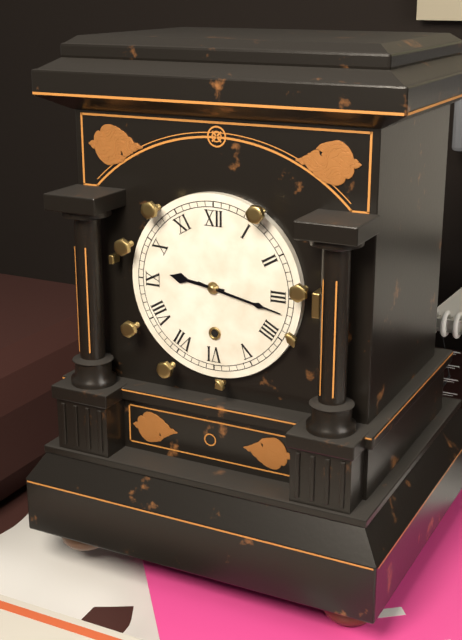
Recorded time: 9:17
